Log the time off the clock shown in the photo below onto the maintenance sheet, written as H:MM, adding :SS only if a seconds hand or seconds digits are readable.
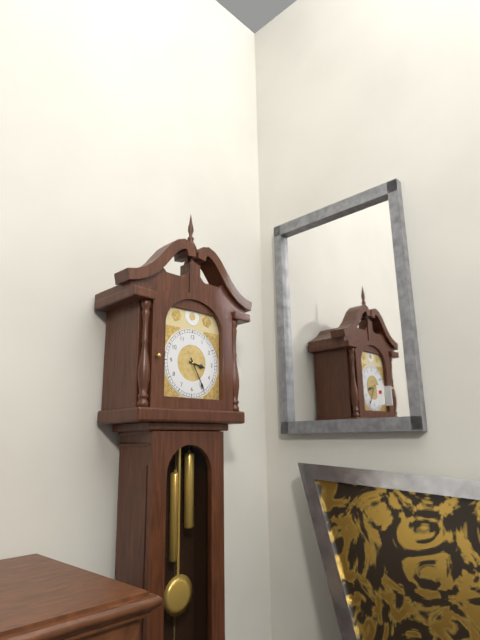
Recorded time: 3:25
